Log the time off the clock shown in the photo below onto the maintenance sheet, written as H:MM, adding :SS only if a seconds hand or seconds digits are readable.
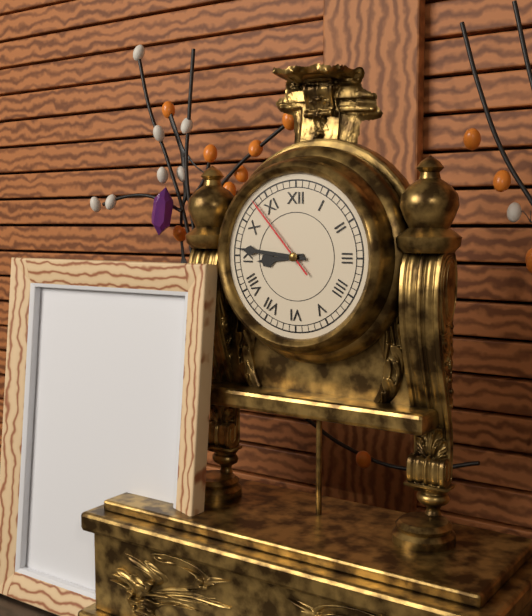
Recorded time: 8:46:53
